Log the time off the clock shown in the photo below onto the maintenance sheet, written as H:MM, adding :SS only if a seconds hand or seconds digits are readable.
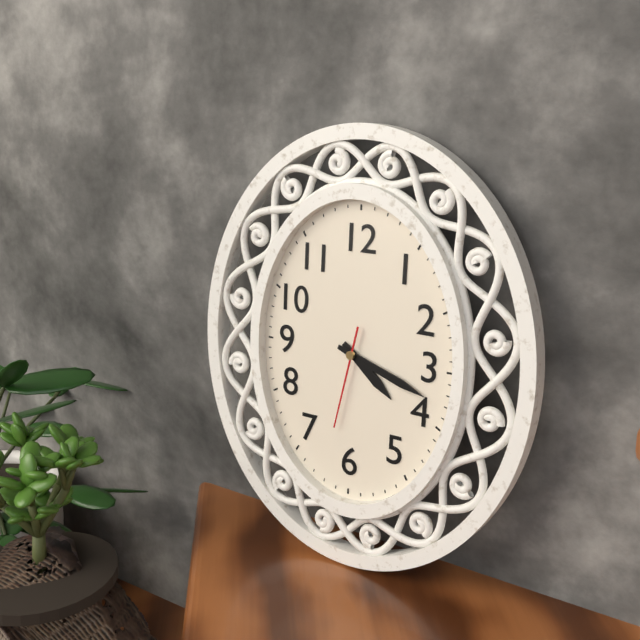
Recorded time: 4:18:32
